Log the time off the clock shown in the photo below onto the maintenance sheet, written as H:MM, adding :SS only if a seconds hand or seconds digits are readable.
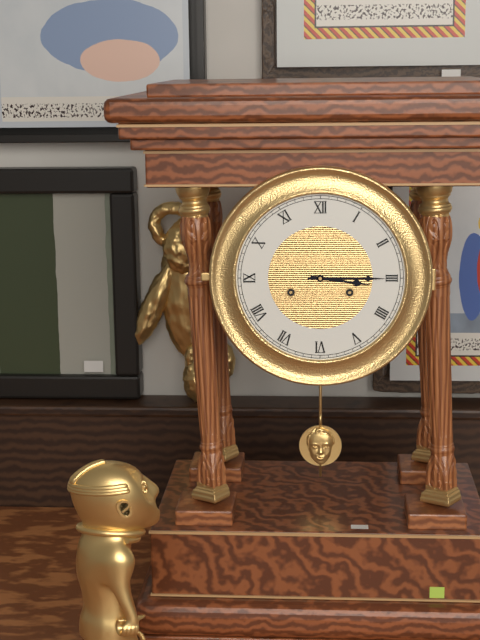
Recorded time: 3:15
